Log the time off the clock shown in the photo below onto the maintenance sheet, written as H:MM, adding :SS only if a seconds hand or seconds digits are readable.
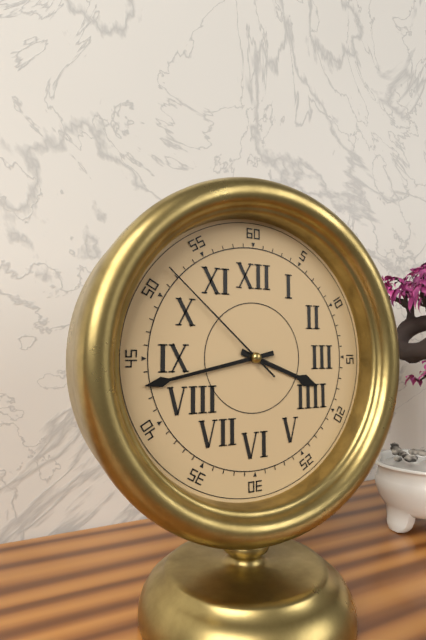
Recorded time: 3:43:52
